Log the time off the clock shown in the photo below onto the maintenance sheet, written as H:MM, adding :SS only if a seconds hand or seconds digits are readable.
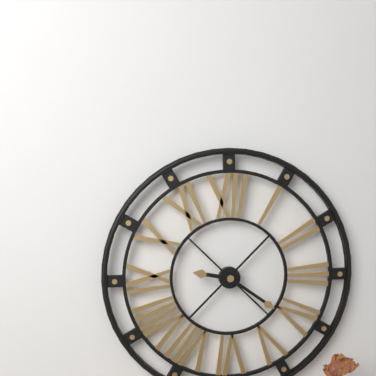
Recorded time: 9:21
